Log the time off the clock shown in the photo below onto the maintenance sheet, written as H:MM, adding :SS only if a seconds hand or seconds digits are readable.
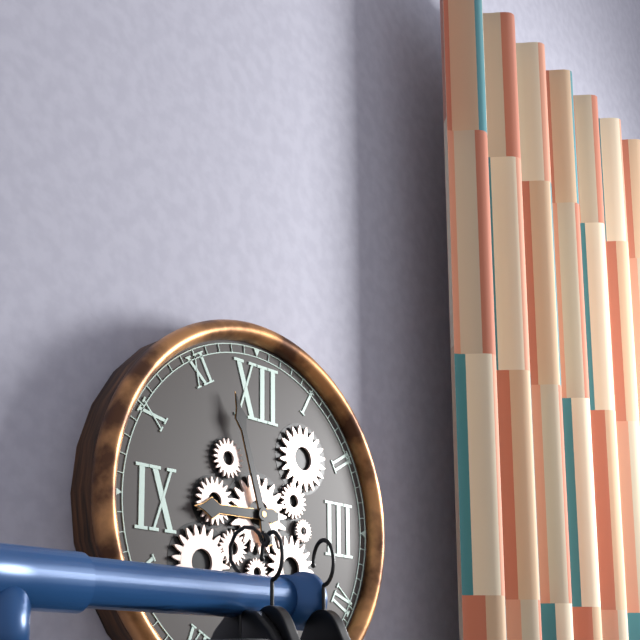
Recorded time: 8:57
